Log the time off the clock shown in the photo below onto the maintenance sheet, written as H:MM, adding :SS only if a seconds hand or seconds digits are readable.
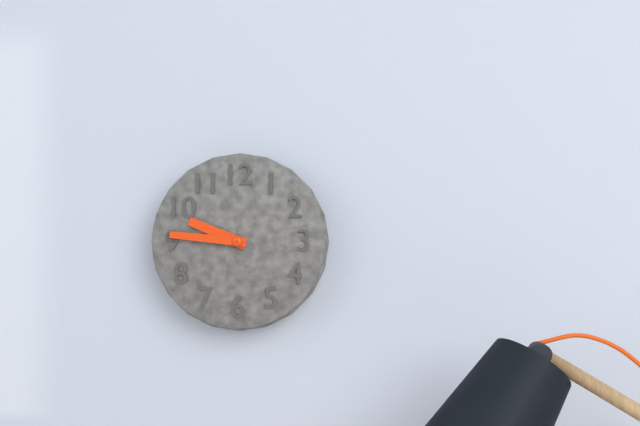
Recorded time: 9:46
